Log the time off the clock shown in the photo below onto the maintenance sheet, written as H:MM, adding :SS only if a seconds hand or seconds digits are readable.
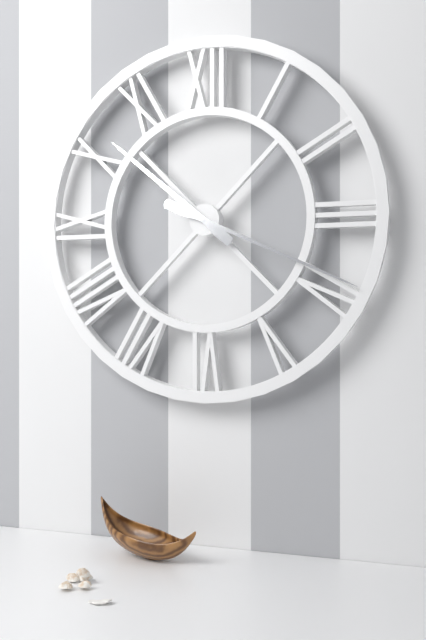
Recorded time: 10:19
